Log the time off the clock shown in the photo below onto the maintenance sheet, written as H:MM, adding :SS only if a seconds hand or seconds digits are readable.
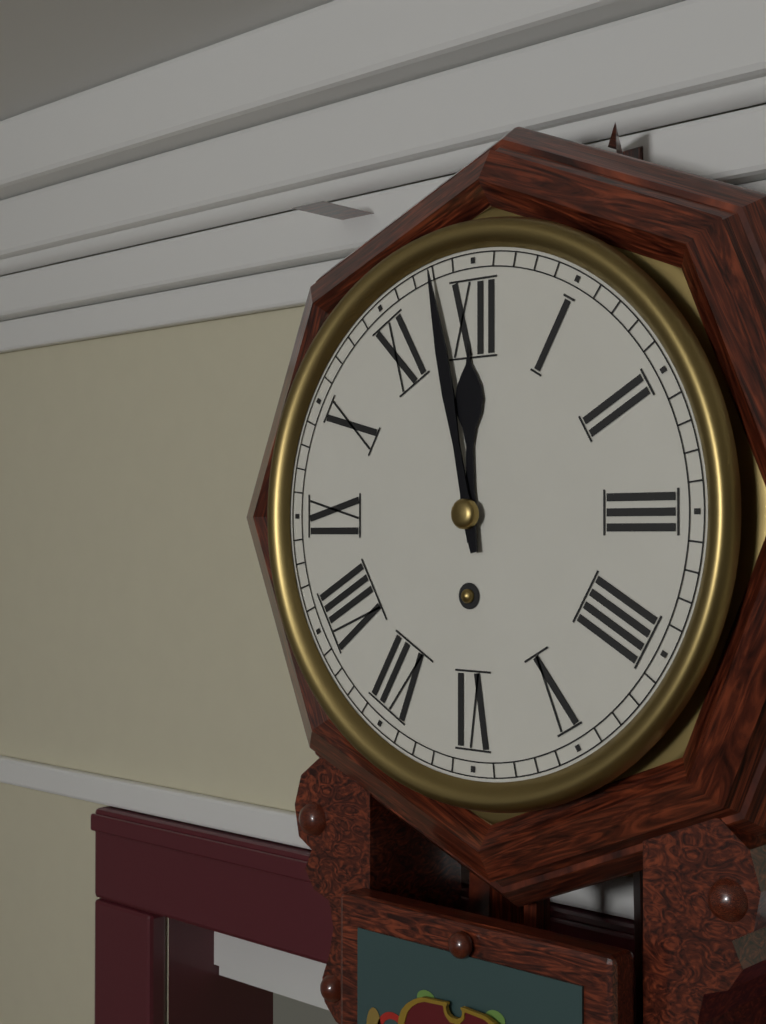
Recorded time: 11:58
